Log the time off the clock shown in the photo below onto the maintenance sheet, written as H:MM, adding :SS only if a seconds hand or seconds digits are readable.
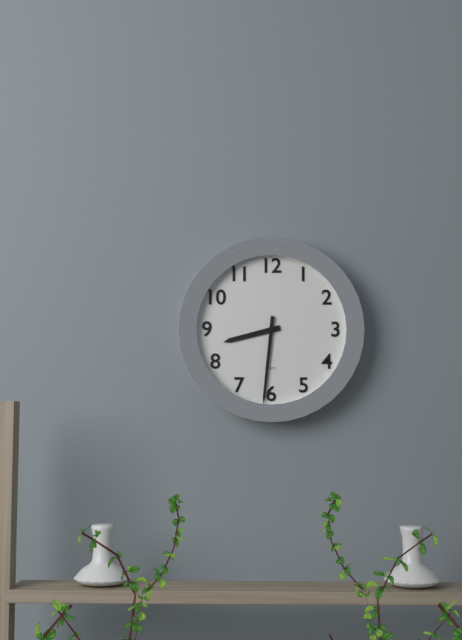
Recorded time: 8:31
